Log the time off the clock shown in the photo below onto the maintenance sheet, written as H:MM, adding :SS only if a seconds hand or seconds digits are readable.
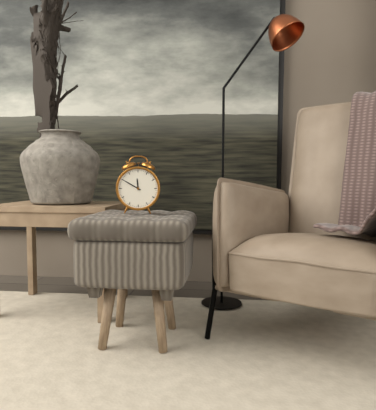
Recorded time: 11:50
